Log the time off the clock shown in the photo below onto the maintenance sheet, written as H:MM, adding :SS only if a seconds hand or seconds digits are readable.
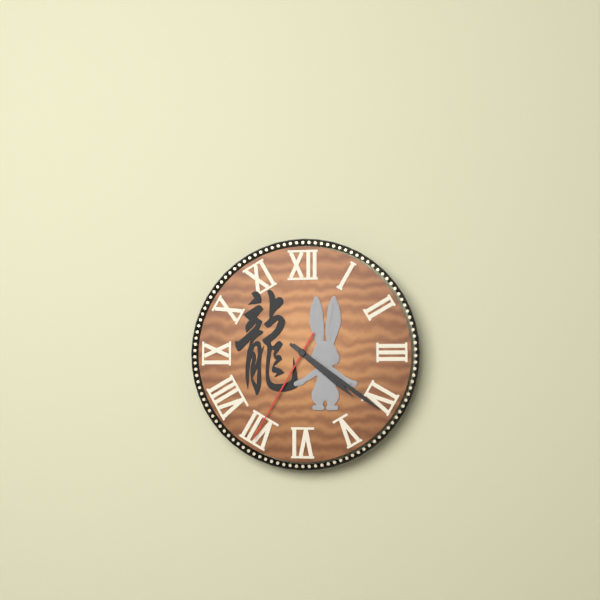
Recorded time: 4:21:35
